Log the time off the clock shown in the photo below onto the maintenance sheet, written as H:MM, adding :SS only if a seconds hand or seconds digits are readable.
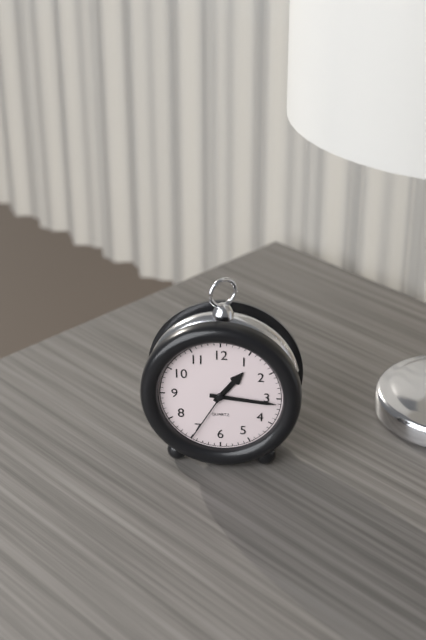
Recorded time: 1:16:35
